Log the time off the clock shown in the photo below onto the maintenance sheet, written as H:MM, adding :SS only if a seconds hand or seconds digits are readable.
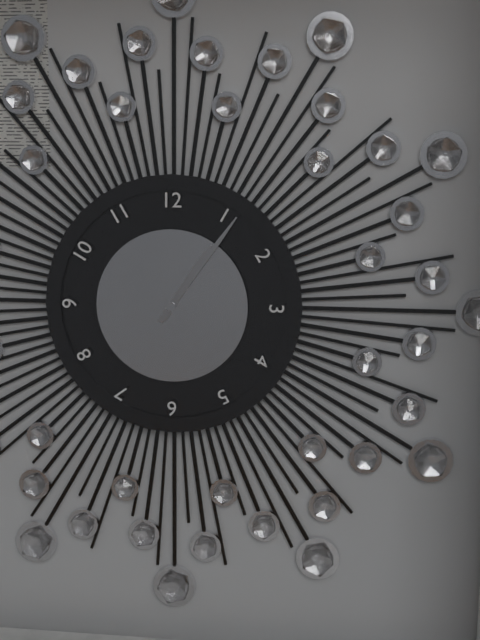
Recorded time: 1:06
